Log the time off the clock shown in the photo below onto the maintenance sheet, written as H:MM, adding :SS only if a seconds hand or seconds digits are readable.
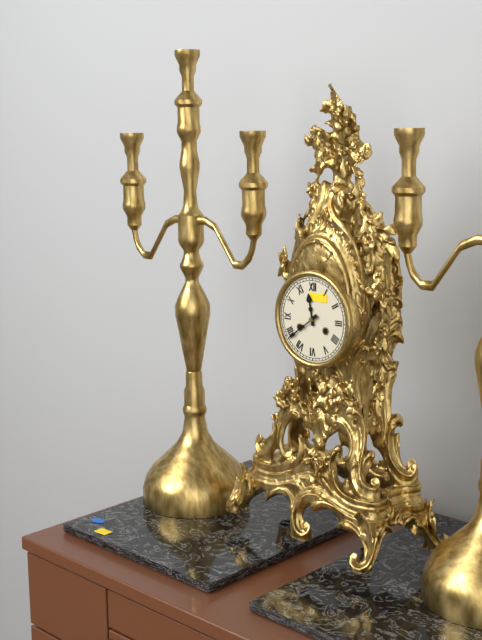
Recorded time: 11:39
